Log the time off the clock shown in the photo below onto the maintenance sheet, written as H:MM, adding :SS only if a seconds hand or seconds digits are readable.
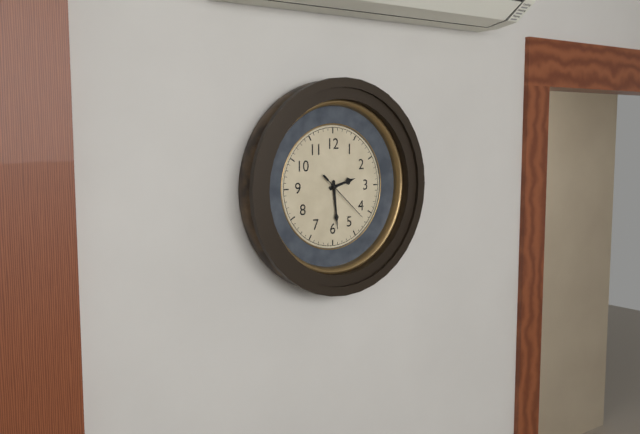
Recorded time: 2:29:22
